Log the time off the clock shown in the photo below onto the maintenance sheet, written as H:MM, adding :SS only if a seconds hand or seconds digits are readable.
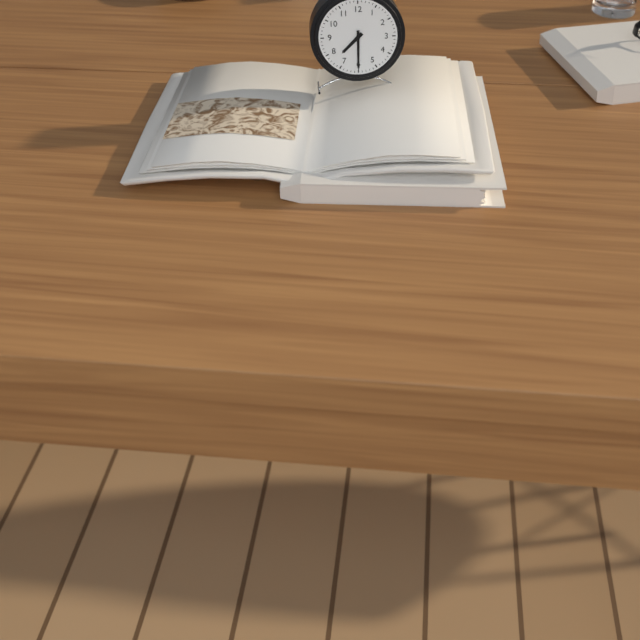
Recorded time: 7:30
